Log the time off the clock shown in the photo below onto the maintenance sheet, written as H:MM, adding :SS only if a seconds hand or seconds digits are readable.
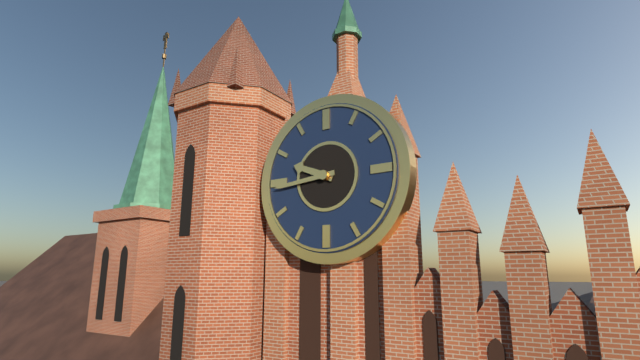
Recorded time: 9:44
